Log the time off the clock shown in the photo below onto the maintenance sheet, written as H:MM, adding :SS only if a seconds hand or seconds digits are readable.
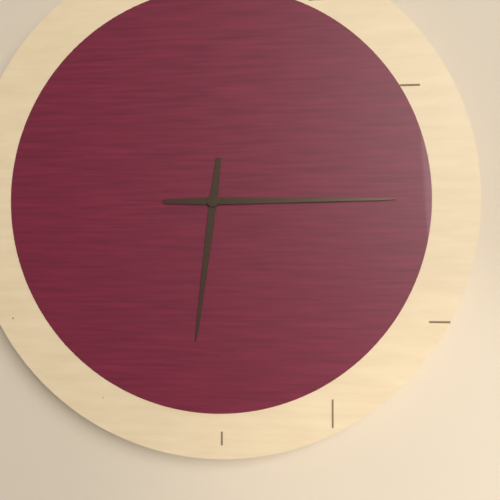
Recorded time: 6:15
